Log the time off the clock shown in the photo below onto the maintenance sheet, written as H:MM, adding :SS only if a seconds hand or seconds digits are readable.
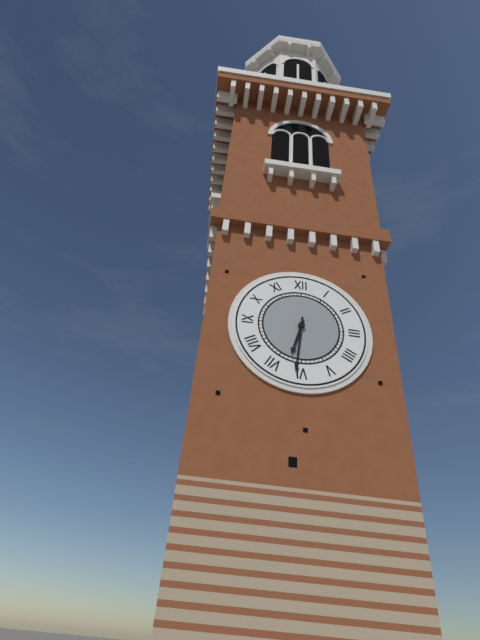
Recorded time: 6:31
